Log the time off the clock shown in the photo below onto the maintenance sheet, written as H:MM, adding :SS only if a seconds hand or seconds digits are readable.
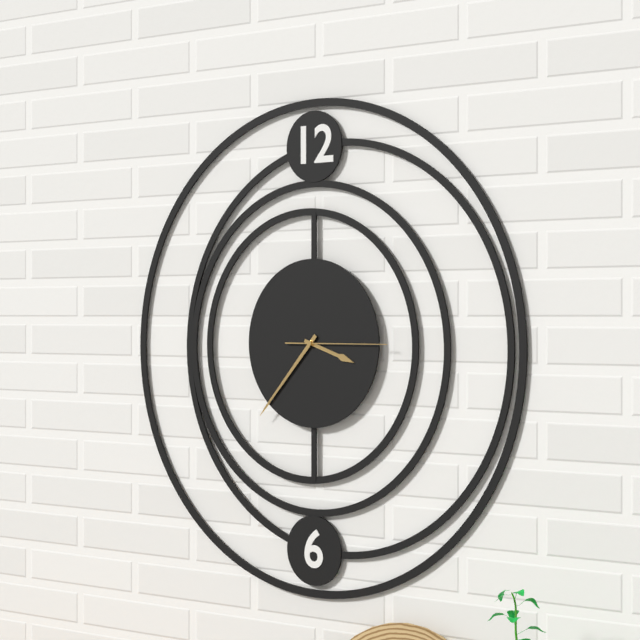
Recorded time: 3:37:15
